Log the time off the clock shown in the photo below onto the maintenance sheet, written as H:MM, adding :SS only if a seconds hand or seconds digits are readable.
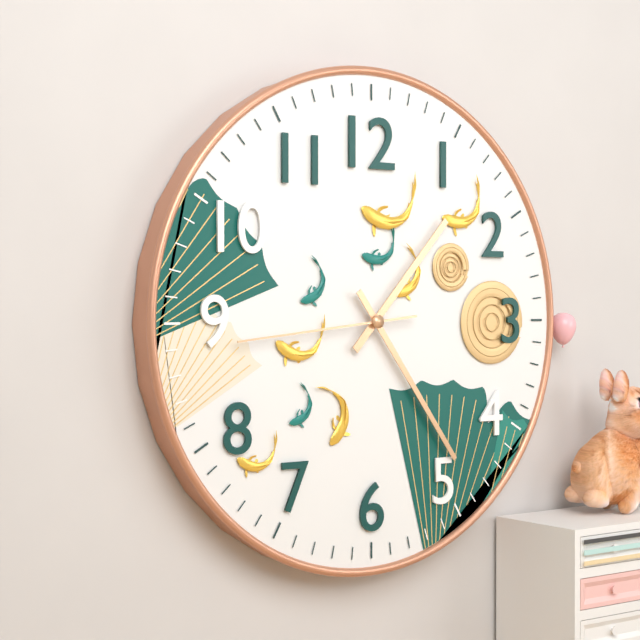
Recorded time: 1:24:44
